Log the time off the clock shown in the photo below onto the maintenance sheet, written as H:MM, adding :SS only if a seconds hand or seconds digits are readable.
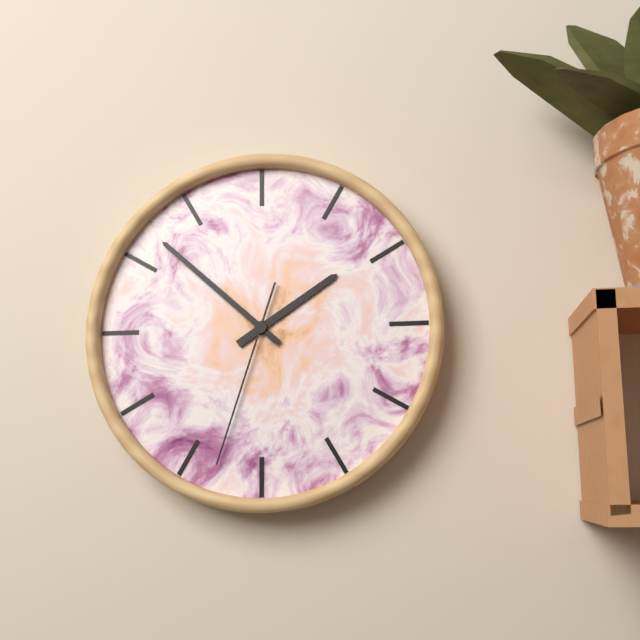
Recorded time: 1:52:33
